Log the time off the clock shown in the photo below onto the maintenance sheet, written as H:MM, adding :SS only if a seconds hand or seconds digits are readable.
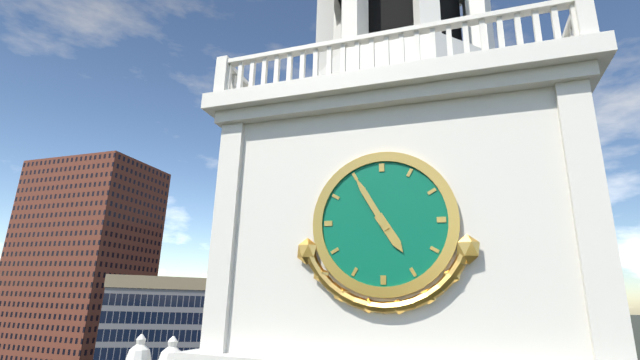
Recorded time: 4:55
